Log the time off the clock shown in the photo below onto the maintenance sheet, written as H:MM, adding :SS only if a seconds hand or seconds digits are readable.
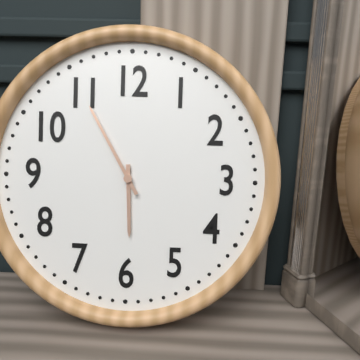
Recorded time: 5:55
